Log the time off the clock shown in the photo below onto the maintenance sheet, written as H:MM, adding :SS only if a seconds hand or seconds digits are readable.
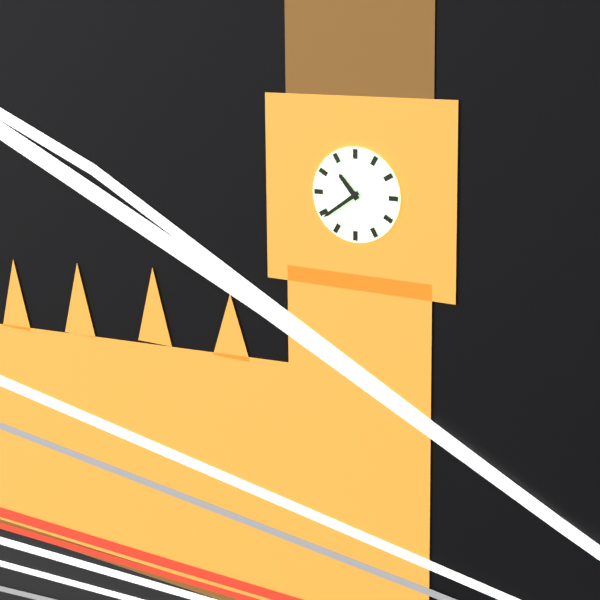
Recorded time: 10:39
